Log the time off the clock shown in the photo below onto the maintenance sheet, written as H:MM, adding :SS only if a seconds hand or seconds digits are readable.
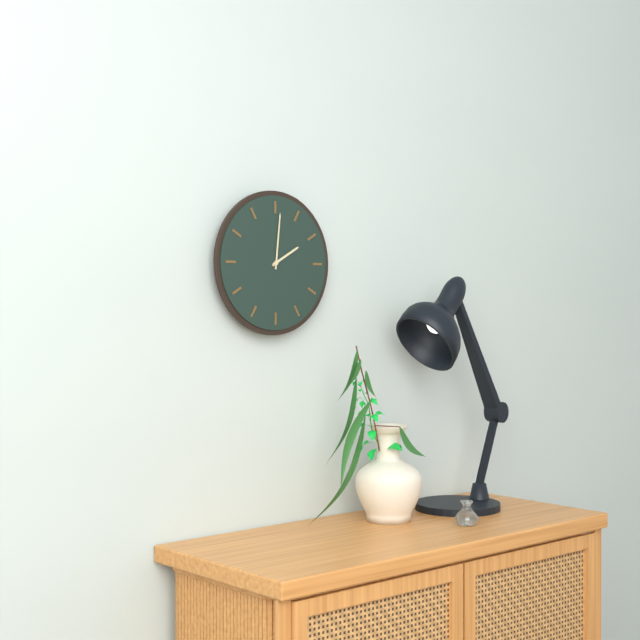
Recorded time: 2:01
